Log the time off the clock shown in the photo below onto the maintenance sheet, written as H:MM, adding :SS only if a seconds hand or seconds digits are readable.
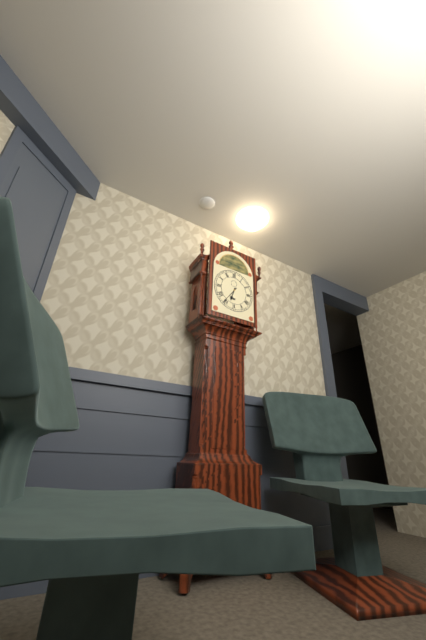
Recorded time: 6:36
